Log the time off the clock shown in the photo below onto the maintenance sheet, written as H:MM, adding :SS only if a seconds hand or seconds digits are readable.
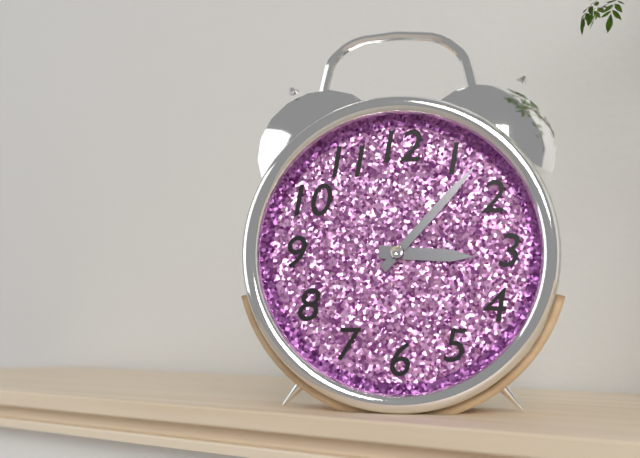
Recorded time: 3:07
